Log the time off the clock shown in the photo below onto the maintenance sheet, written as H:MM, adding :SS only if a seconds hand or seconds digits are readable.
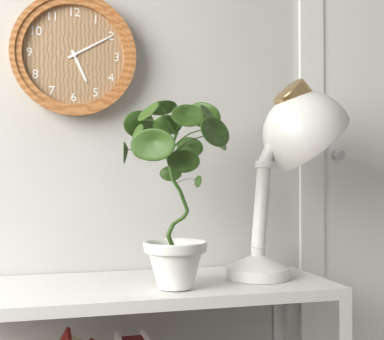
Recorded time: 5:10
